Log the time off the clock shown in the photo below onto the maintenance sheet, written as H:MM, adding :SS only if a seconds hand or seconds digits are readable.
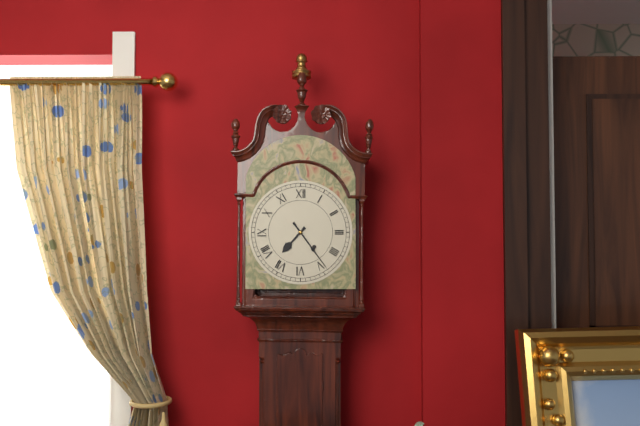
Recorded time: 7:24
